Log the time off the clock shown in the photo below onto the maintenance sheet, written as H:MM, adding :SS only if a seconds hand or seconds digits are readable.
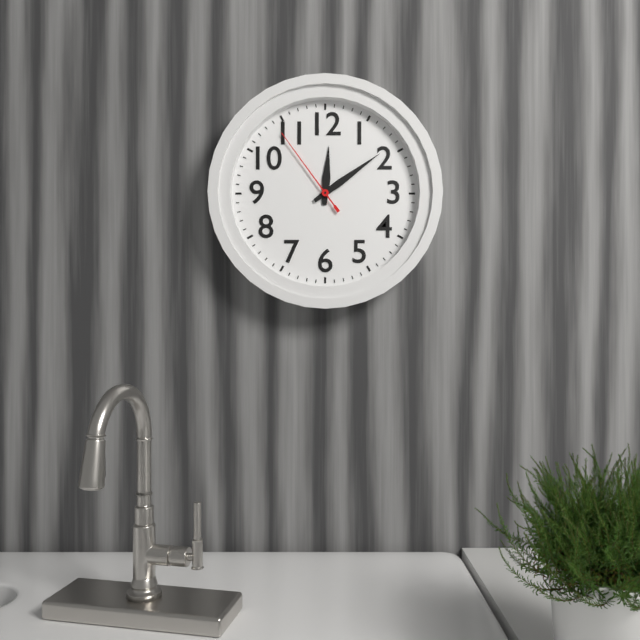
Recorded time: 12:09:54
